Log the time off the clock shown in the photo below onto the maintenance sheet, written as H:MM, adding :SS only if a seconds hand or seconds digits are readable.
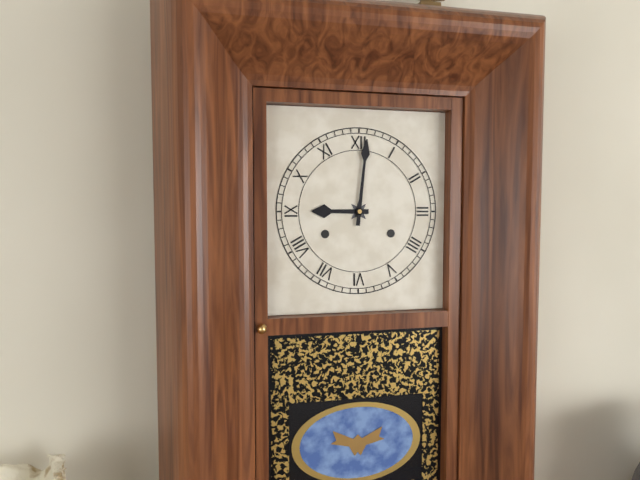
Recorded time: 9:01
